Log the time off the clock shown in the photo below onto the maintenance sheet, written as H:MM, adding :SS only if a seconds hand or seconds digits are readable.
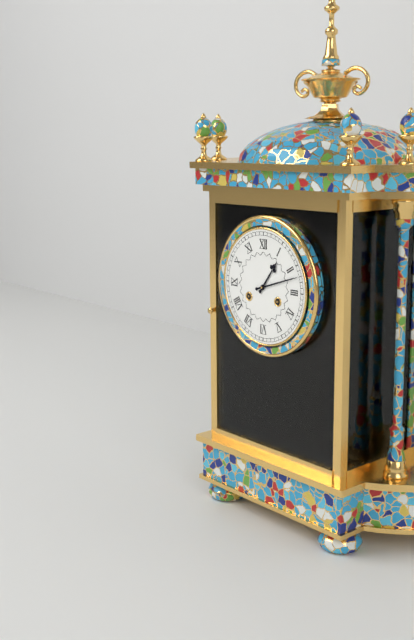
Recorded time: 1:12
